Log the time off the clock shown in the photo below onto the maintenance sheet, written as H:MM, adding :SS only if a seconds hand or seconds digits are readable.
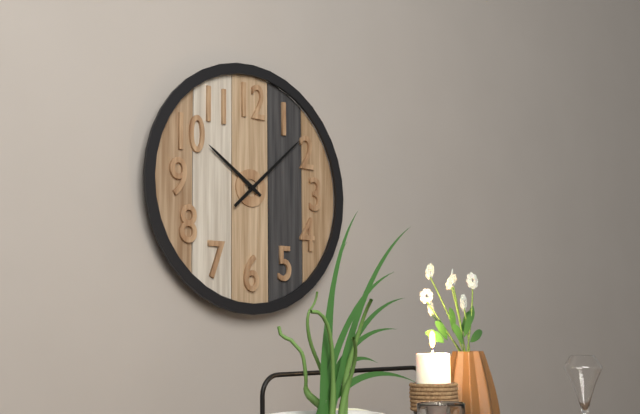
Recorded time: 10:08
